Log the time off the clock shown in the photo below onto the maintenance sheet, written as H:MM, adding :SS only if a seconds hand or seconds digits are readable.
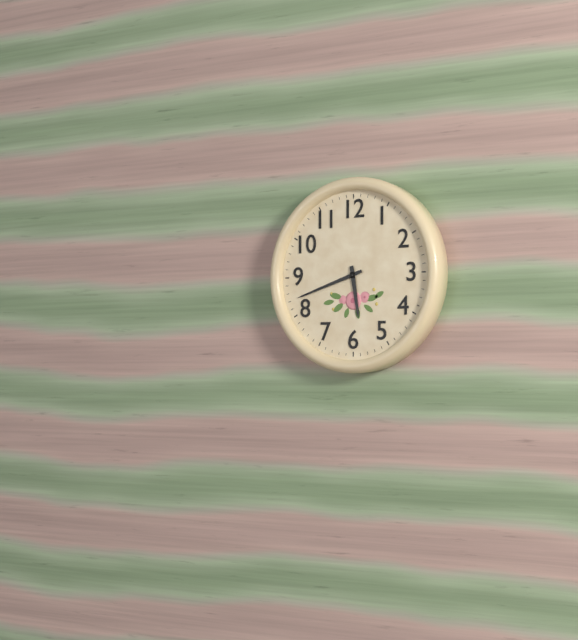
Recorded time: 5:42
